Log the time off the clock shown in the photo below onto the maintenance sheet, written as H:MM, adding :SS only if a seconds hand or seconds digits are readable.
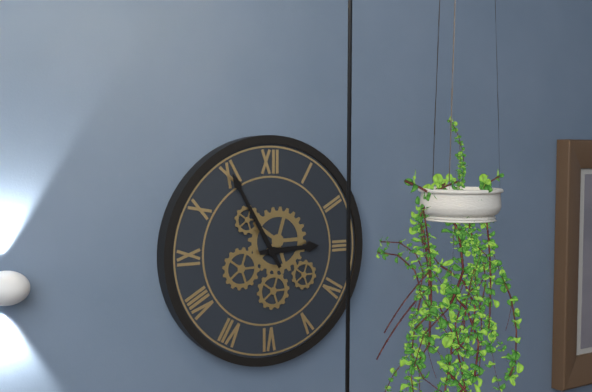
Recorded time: 2:55
